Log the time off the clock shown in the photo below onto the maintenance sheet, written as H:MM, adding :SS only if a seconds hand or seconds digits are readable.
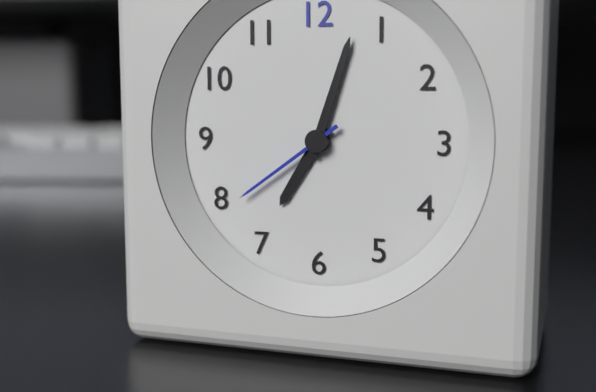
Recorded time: 7:03:39
